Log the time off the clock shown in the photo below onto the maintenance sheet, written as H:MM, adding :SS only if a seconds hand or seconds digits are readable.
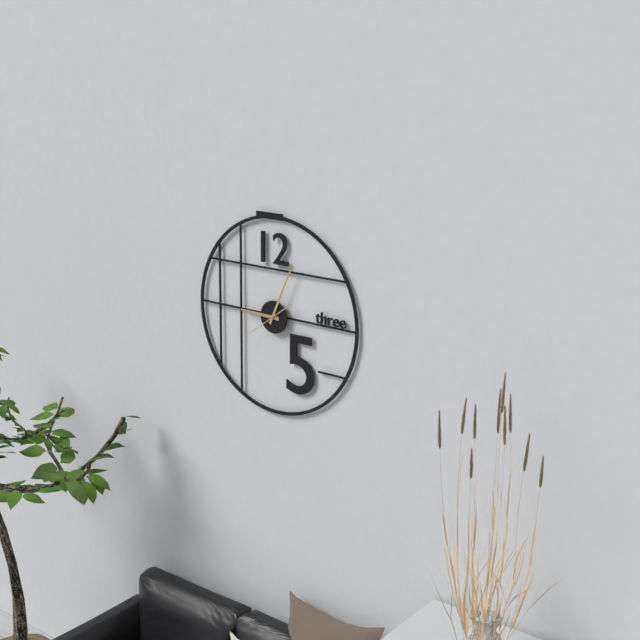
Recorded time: 9:04
